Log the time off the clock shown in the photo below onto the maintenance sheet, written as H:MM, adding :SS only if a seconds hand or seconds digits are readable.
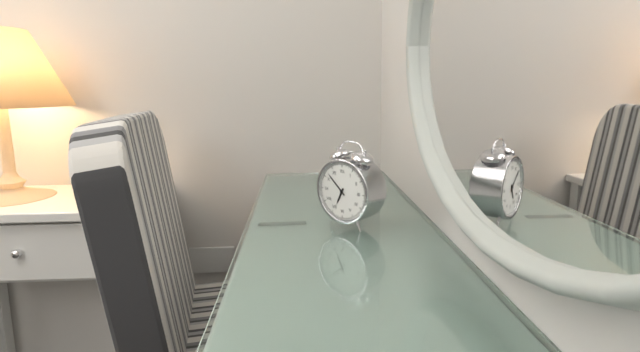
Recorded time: 6:52
